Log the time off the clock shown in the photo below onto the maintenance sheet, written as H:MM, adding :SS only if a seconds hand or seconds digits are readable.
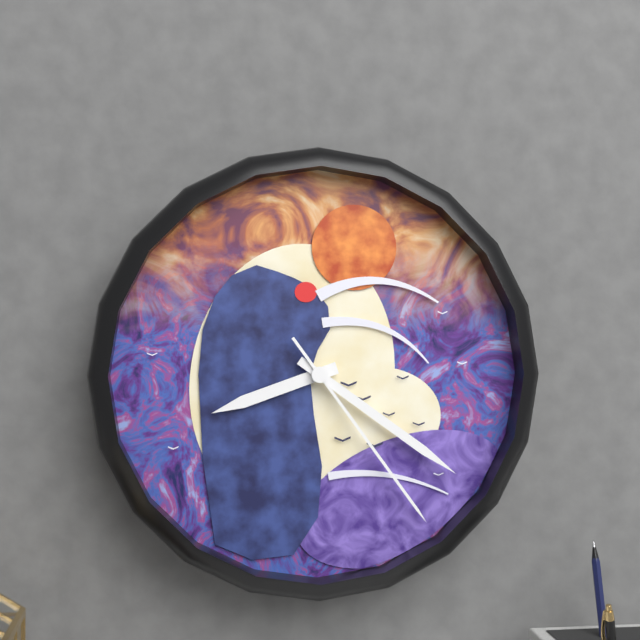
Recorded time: 8:21:24
